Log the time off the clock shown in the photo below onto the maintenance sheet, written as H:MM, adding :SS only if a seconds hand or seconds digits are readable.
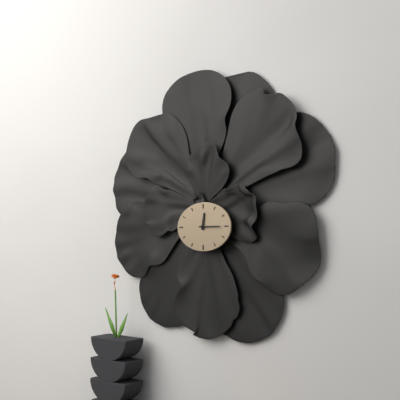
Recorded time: 12:15
